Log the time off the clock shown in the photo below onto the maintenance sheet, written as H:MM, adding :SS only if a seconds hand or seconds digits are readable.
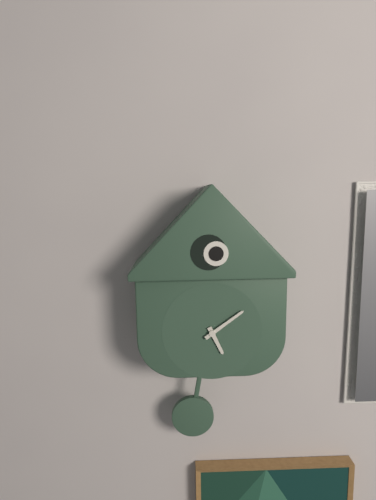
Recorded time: 5:09
